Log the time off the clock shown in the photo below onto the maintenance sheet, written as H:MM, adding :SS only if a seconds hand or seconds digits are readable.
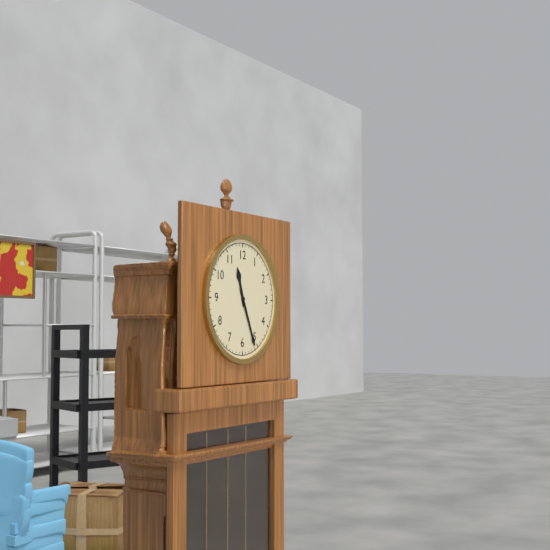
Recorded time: 11:26
